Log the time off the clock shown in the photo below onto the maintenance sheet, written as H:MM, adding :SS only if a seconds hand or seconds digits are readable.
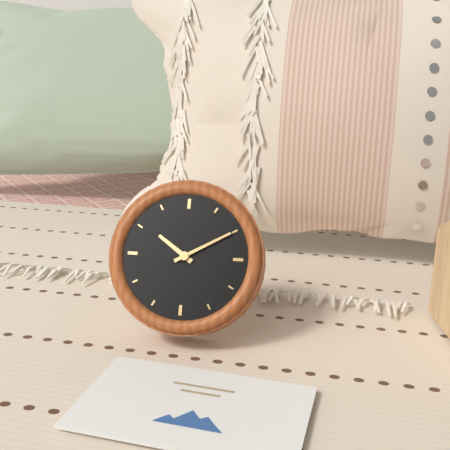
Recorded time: 10:10
